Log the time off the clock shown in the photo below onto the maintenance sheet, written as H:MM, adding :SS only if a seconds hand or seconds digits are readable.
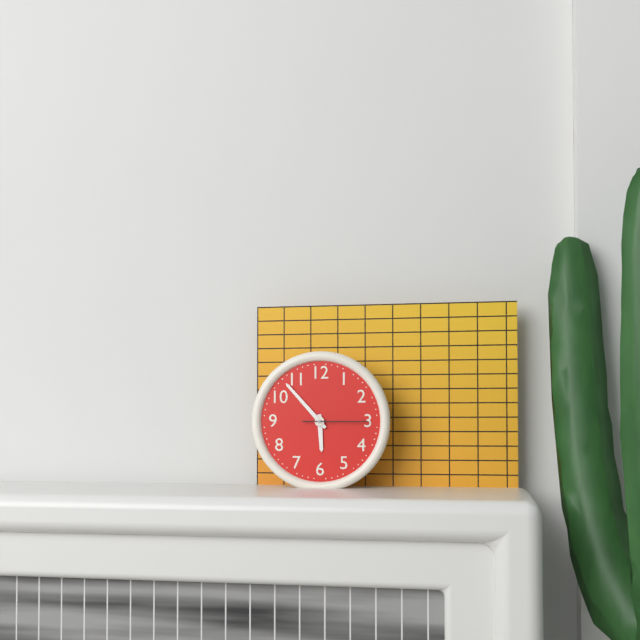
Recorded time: 5:53:15
